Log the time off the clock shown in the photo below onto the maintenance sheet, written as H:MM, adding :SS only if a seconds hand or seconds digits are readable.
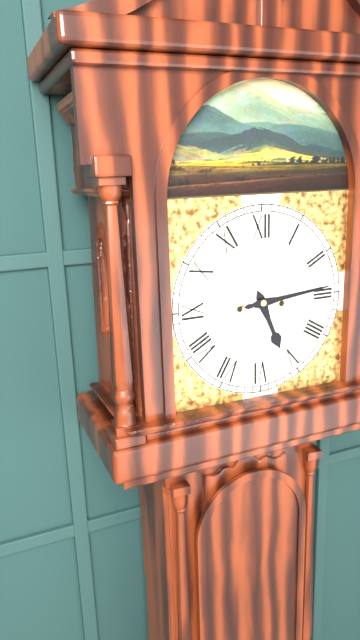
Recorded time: 5:14
